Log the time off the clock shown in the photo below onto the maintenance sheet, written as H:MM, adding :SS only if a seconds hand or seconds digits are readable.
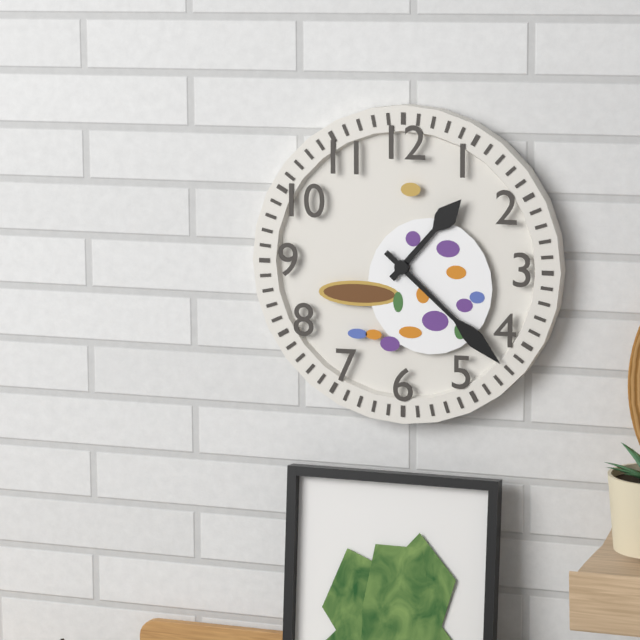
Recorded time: 1:22
